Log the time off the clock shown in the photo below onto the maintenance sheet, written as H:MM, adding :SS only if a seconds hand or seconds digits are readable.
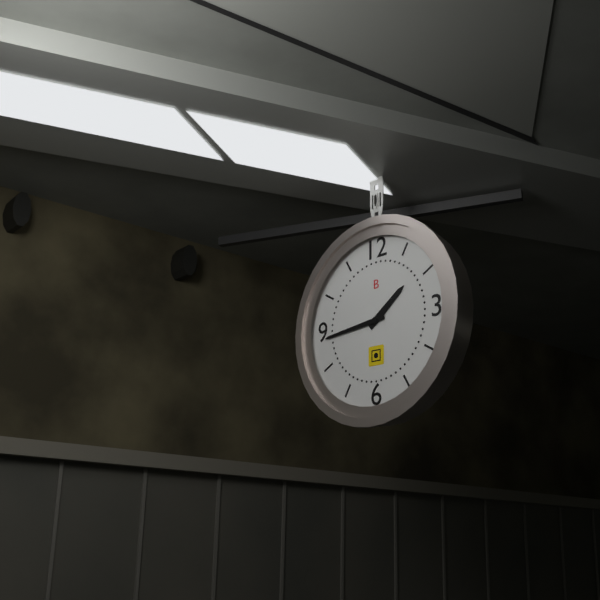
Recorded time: 1:44
